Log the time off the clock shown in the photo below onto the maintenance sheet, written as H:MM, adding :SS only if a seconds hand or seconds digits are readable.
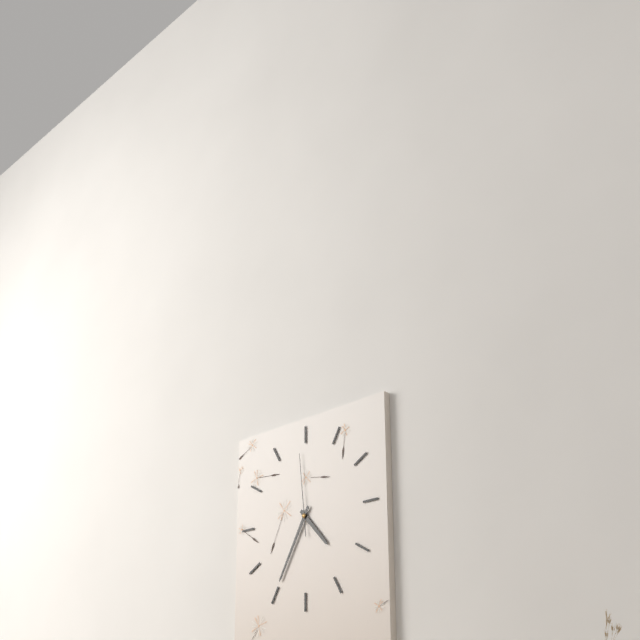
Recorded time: 4:35:59
